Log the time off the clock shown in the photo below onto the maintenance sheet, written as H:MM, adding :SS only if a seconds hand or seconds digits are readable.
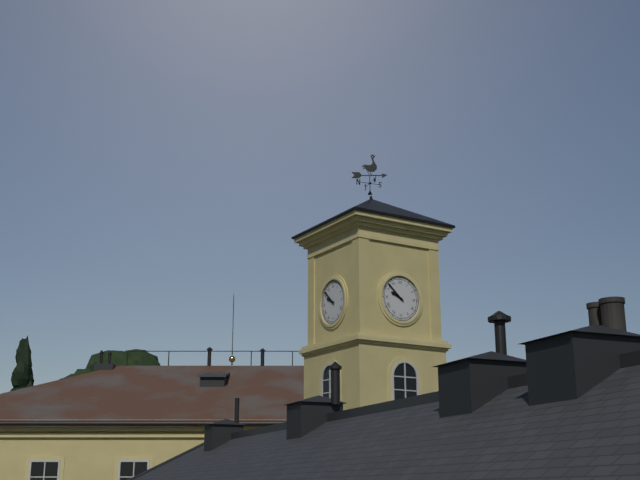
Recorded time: 9:52
